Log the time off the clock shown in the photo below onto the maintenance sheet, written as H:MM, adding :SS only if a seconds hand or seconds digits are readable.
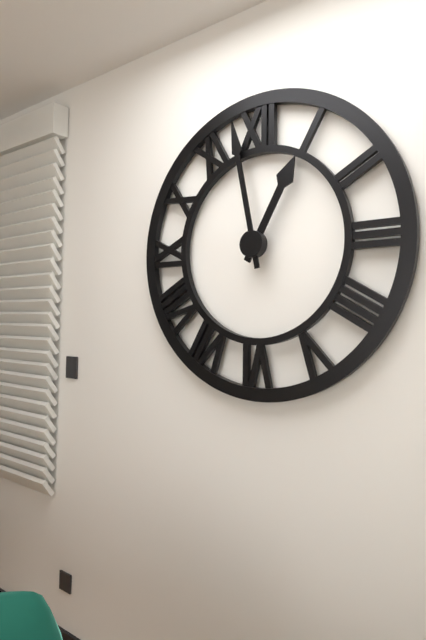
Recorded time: 12:58
